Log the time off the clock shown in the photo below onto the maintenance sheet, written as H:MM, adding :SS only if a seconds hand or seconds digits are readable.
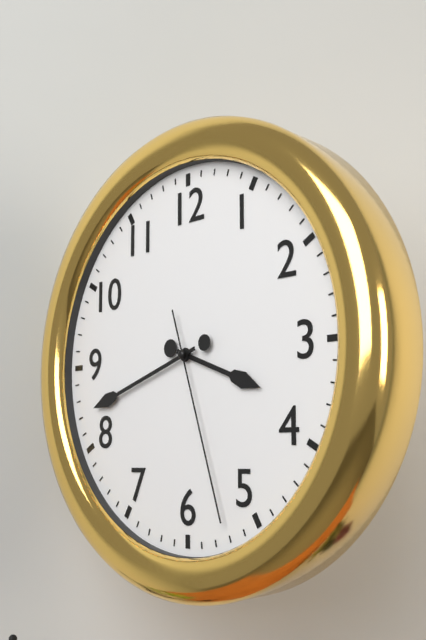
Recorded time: 3:42:27
